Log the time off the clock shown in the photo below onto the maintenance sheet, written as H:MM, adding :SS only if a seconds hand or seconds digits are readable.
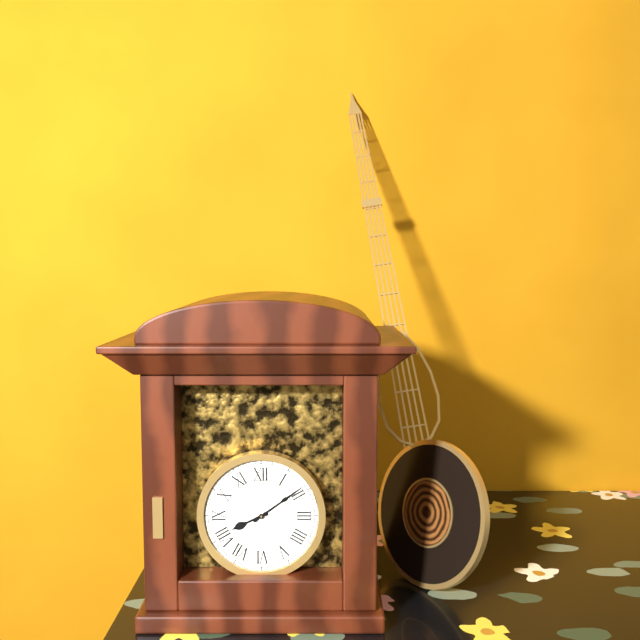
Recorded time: 8:09
